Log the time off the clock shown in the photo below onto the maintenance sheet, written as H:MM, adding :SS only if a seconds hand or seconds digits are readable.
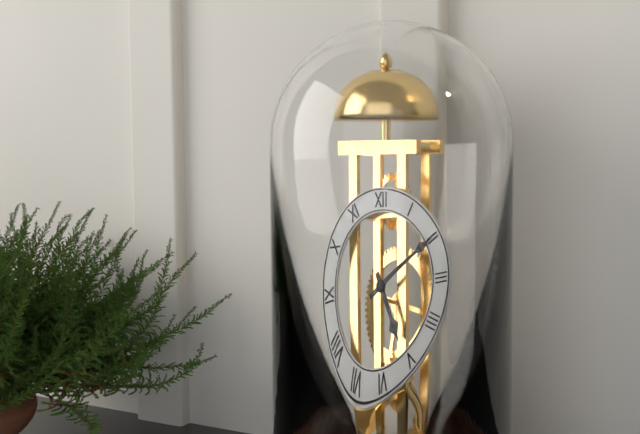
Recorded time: 5:10
